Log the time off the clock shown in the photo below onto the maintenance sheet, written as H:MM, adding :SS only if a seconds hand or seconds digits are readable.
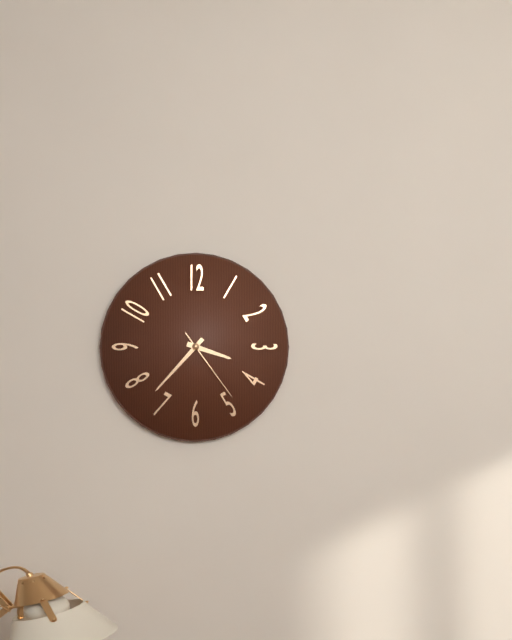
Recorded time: 3:37:24
